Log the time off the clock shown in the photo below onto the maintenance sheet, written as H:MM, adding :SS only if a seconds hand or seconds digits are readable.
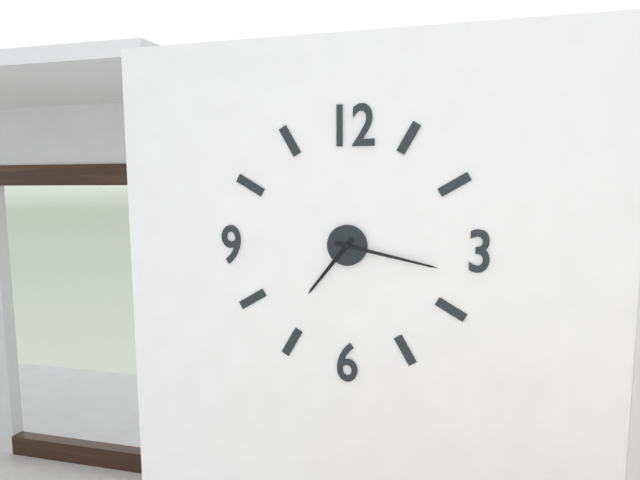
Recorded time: 7:17
